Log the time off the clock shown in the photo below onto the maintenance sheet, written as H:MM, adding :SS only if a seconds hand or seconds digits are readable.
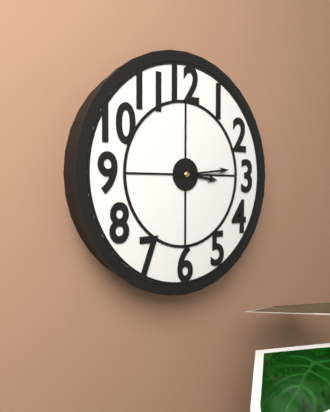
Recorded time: 3:14
